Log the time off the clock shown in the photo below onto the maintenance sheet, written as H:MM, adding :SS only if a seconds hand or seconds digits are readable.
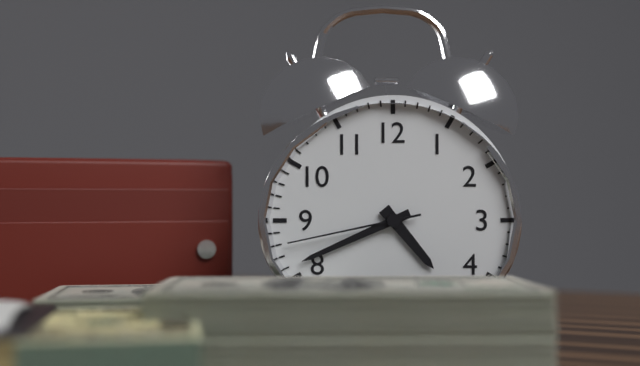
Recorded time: 4:41:43
